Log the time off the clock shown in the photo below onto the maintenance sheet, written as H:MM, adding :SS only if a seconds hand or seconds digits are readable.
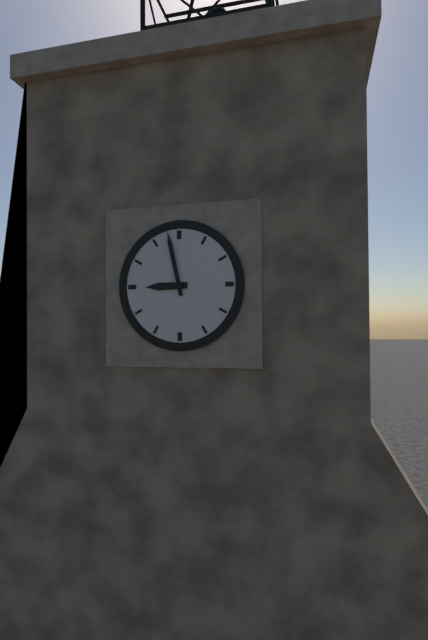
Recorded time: 8:58
